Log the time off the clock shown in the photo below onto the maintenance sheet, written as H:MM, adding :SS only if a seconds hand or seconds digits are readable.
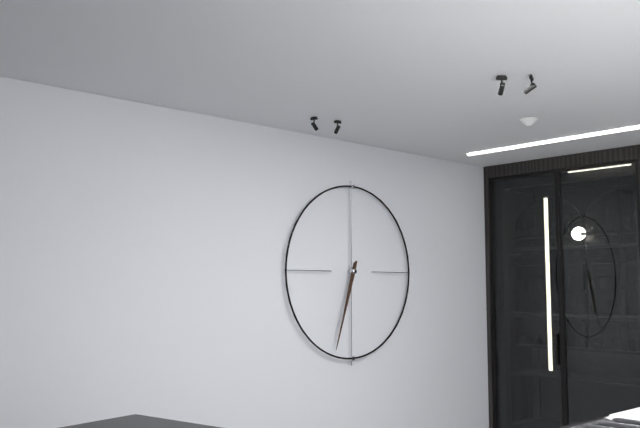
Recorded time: 6:33
